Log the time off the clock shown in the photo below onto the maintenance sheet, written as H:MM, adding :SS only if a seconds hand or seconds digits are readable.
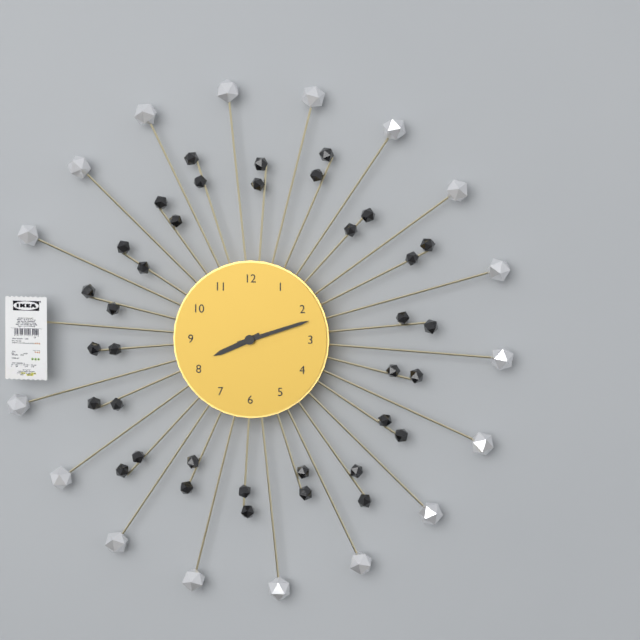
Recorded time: 8:12
